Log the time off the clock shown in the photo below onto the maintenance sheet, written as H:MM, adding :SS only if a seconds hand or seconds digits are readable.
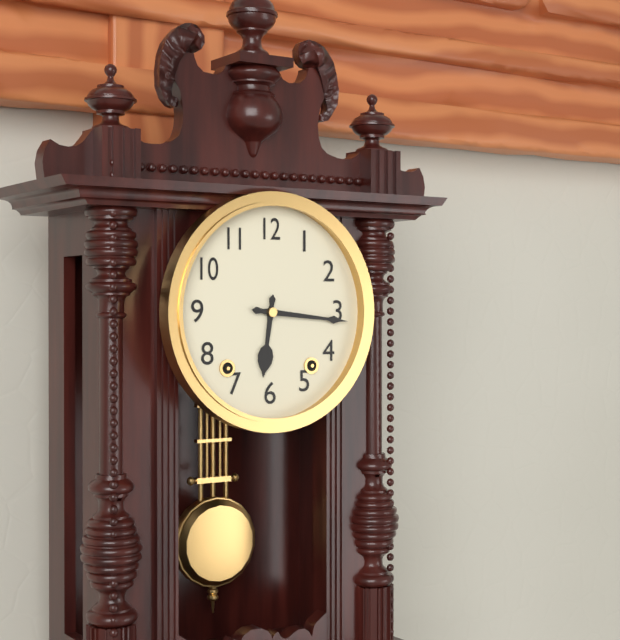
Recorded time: 6:16
